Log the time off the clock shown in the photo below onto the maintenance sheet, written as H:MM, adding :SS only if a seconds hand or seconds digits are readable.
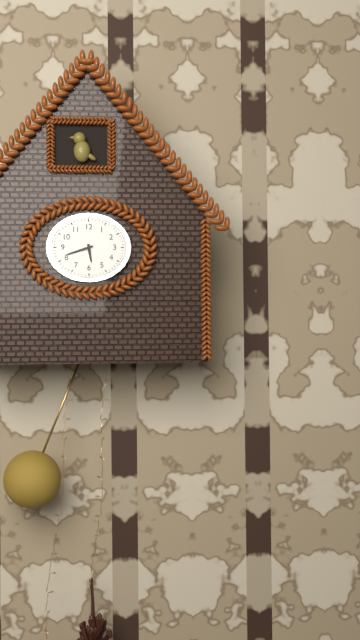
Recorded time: 5:42
